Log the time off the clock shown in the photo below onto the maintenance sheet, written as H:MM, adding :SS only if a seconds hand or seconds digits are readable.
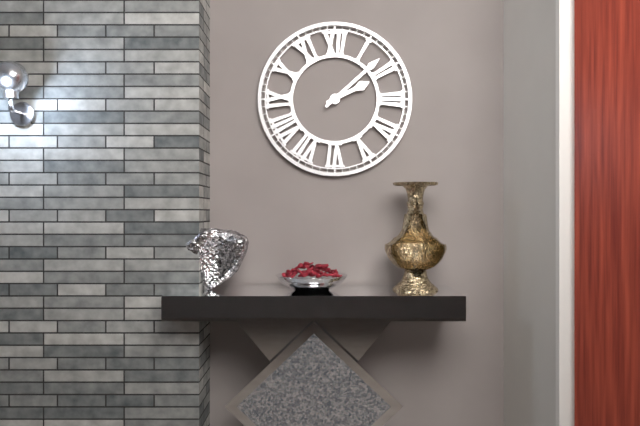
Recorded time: 2:08
